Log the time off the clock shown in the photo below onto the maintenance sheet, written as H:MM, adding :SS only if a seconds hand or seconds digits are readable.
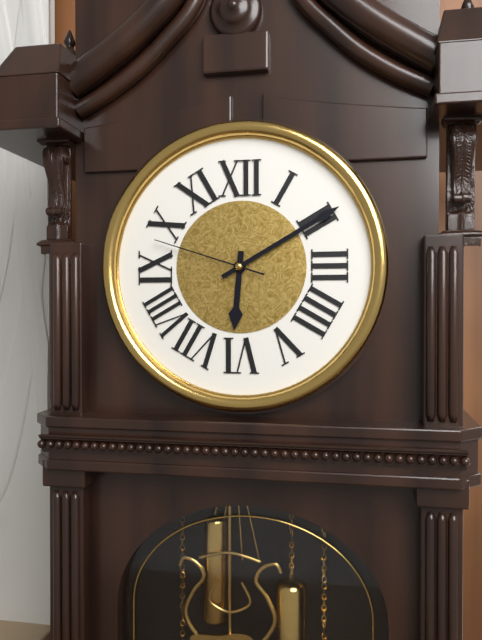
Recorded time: 6:10:48
